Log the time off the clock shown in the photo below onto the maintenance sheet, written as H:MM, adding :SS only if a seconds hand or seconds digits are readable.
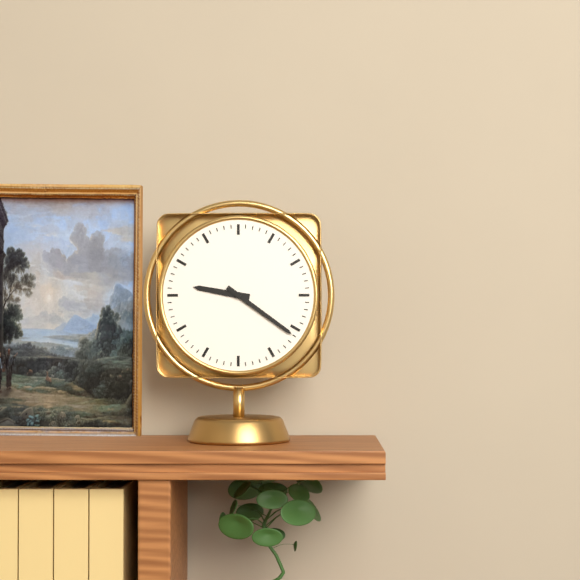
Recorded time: 9:21
